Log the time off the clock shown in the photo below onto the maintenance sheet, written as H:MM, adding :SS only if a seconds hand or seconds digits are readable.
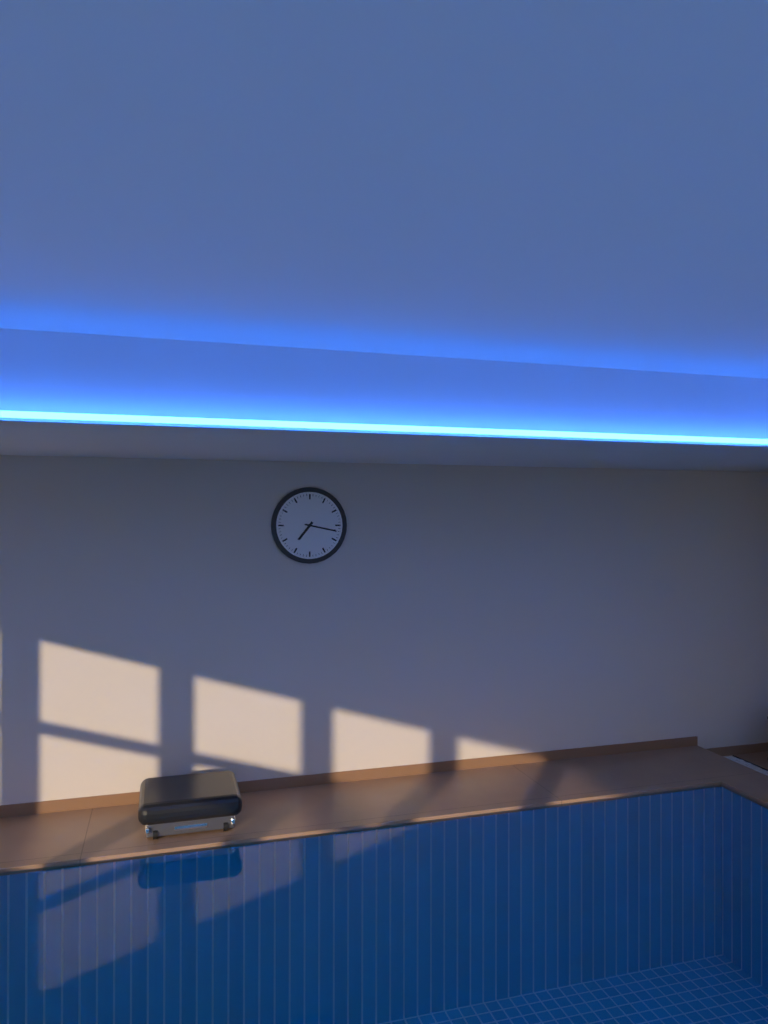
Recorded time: 7:17
